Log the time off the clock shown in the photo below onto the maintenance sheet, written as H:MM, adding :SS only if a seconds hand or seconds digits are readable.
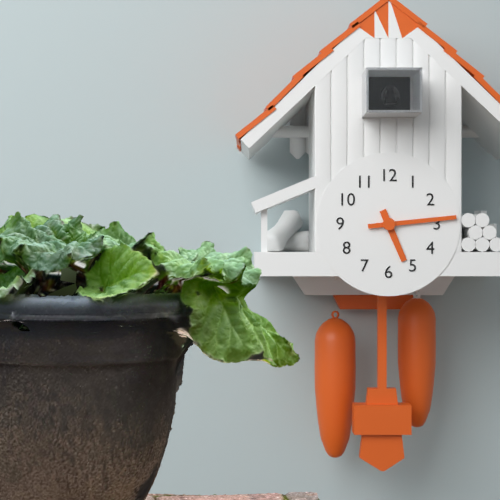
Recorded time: 5:14
